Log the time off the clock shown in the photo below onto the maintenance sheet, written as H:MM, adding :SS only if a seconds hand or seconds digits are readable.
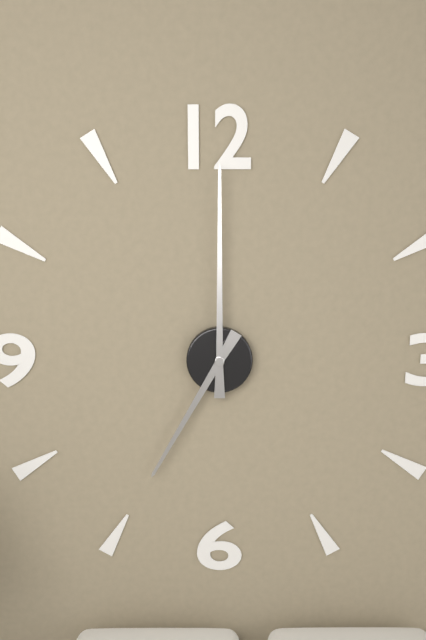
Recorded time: 7:00
